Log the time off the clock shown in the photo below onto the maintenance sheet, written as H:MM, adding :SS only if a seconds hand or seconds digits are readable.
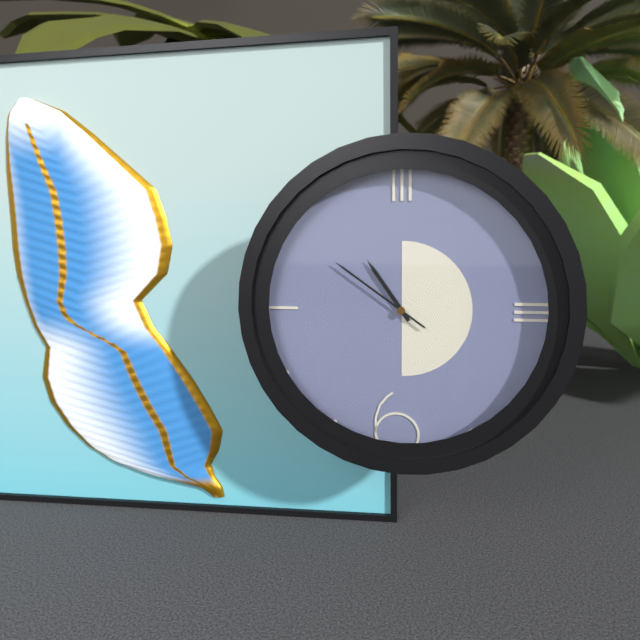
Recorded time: 10:51
